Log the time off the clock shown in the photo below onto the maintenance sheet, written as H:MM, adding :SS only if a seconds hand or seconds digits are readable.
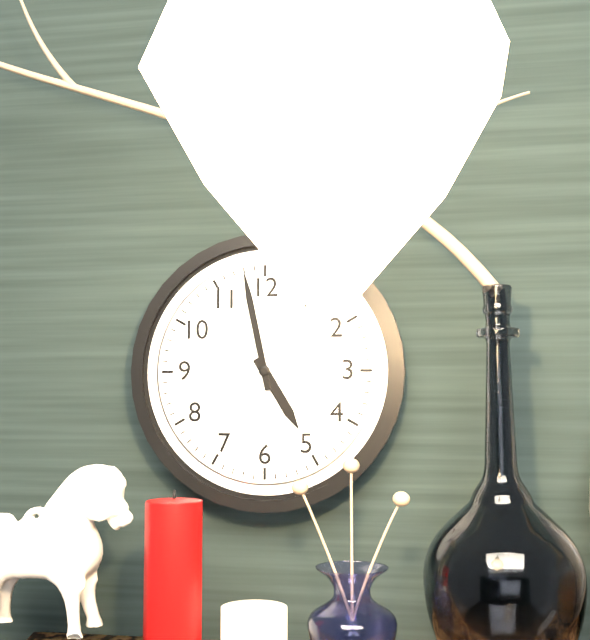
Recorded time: 4:58
